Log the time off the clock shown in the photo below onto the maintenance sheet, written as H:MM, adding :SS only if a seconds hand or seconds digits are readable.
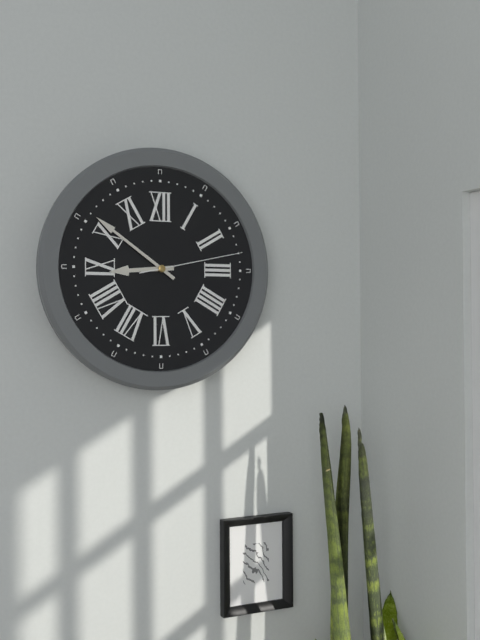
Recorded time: 8:51:13
